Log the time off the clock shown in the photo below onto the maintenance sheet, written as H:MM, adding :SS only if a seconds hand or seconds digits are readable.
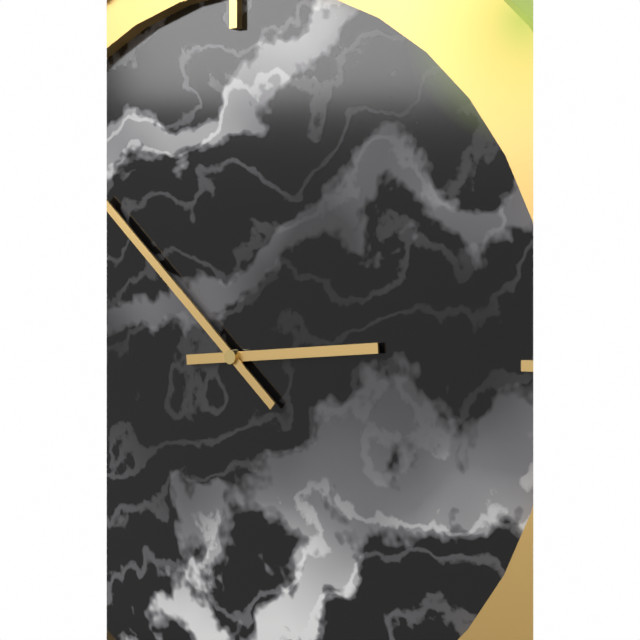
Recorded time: 2:52
